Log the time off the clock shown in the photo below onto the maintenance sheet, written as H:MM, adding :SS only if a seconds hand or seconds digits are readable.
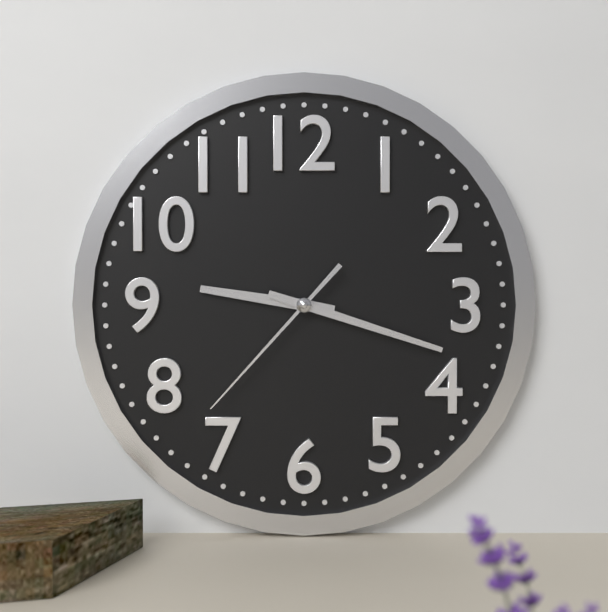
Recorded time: 9:18:37
